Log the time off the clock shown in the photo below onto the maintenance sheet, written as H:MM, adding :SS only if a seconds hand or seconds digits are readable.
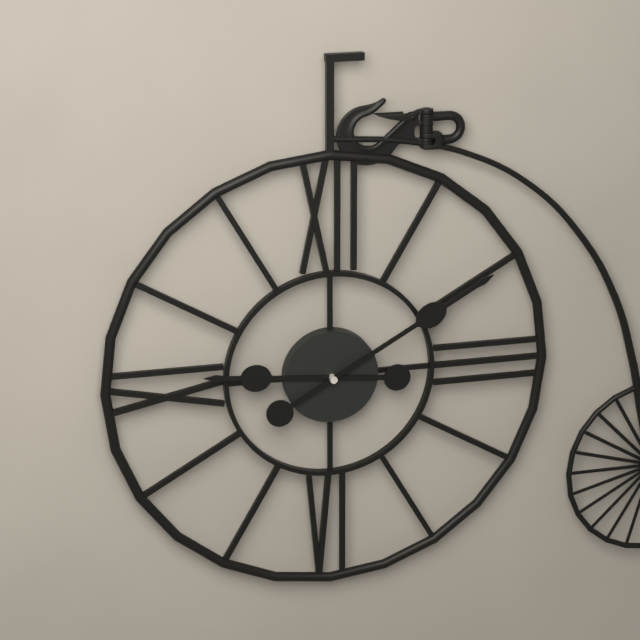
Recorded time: 9:10
